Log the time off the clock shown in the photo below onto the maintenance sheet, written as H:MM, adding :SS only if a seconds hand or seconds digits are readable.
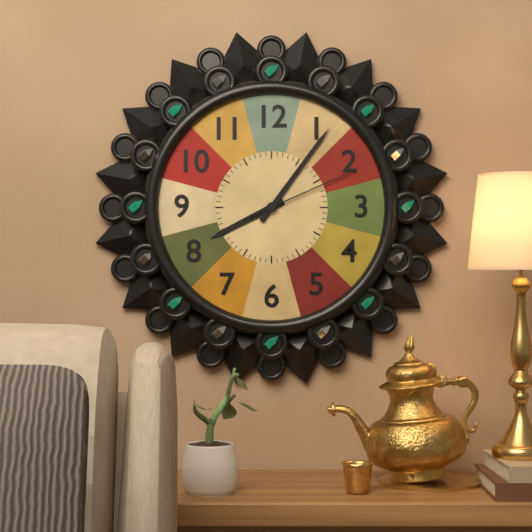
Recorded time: 8:06:11
